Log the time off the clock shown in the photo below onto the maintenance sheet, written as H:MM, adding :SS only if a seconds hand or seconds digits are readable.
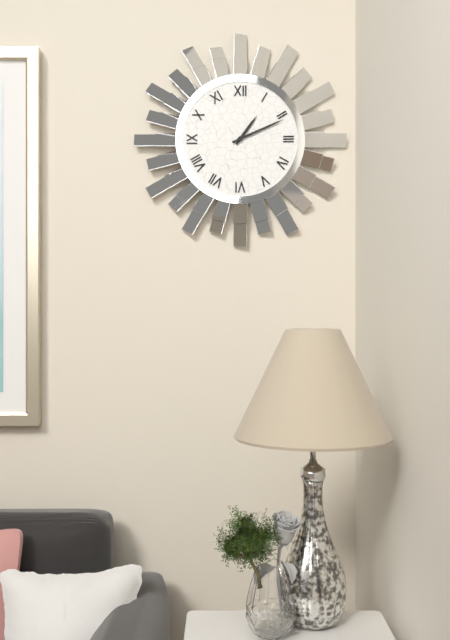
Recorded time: 1:11
